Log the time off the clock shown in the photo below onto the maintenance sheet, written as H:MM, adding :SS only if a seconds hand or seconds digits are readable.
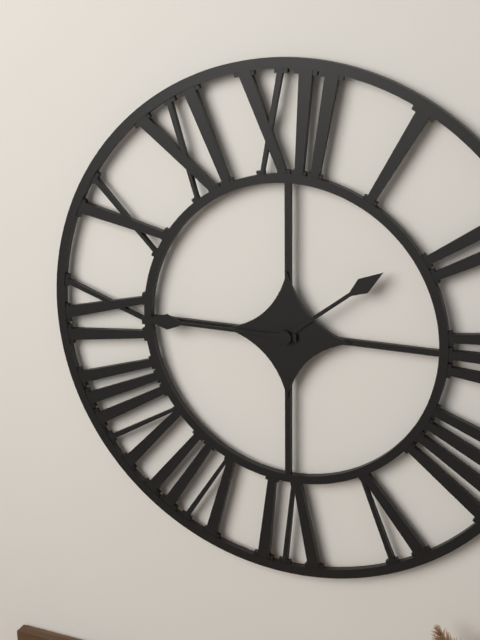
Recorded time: 1:45
